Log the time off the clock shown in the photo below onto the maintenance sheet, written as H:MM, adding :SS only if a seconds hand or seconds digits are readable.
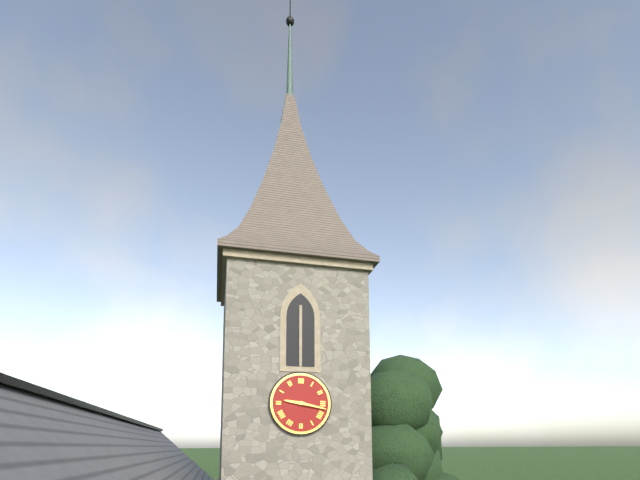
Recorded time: 9:17
